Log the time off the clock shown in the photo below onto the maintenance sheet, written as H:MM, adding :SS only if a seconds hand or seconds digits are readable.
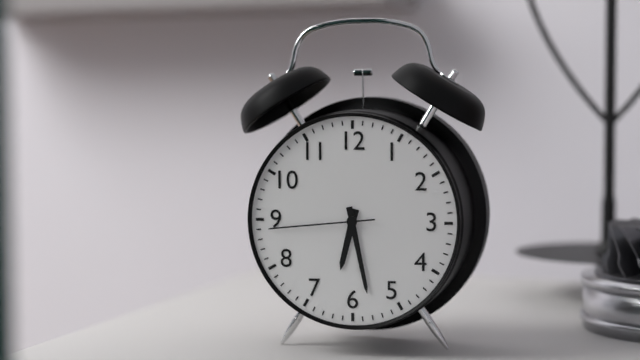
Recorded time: 6:28:44
